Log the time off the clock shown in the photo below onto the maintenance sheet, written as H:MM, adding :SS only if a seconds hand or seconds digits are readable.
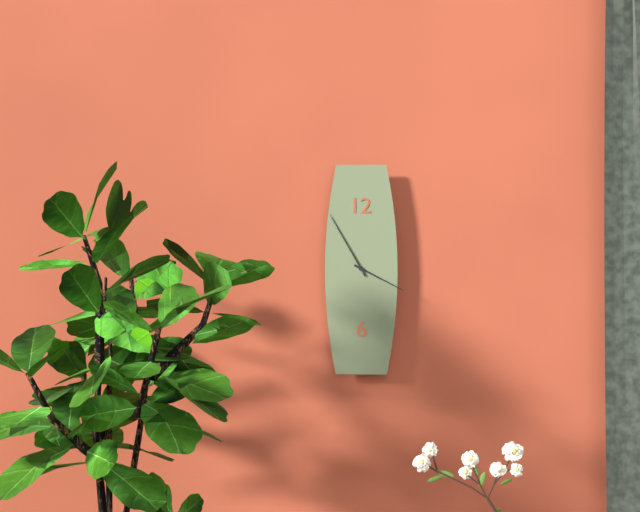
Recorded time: 3:55
